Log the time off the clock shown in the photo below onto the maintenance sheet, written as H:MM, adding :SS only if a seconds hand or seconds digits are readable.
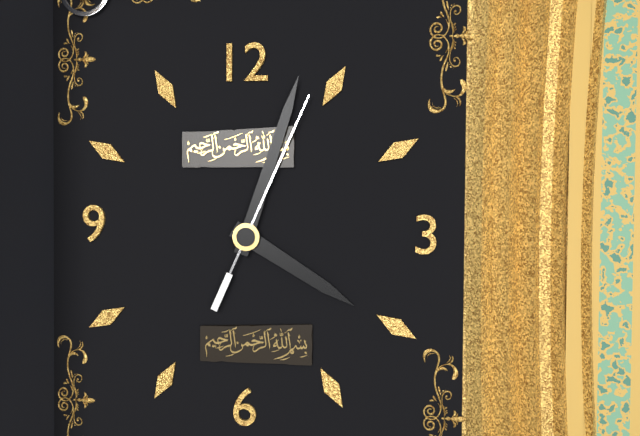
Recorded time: 4:03:04
